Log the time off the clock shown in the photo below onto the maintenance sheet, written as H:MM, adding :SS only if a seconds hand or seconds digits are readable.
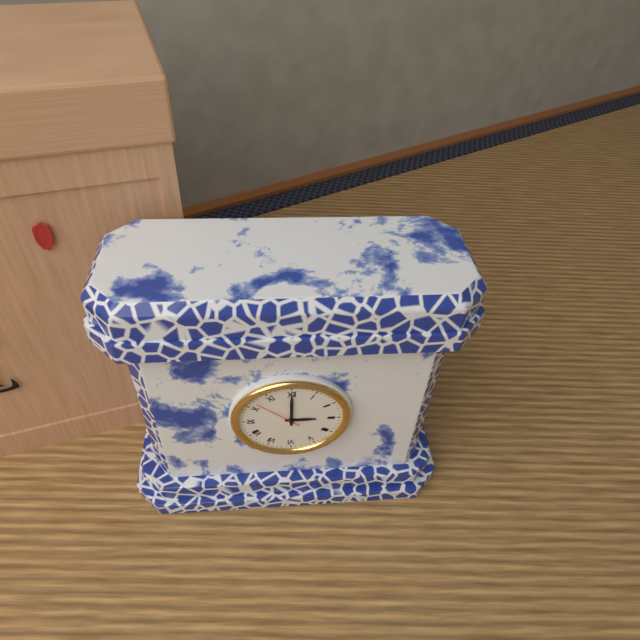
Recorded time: 3:00:52
